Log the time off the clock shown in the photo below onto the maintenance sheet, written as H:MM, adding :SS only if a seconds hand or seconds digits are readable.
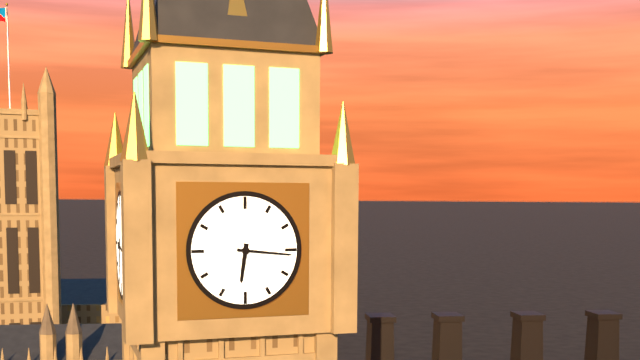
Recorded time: 6:16
